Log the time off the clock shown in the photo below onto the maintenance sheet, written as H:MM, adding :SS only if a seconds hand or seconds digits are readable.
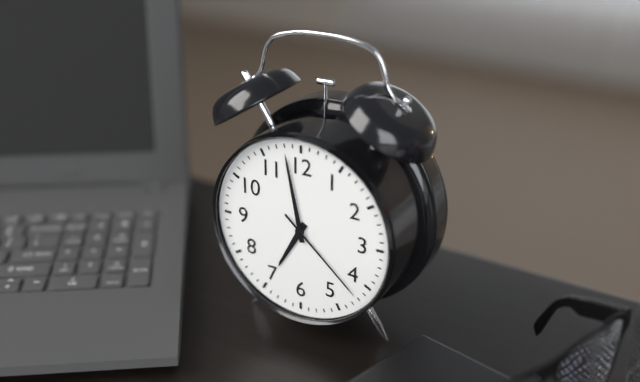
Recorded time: 6:58:22
